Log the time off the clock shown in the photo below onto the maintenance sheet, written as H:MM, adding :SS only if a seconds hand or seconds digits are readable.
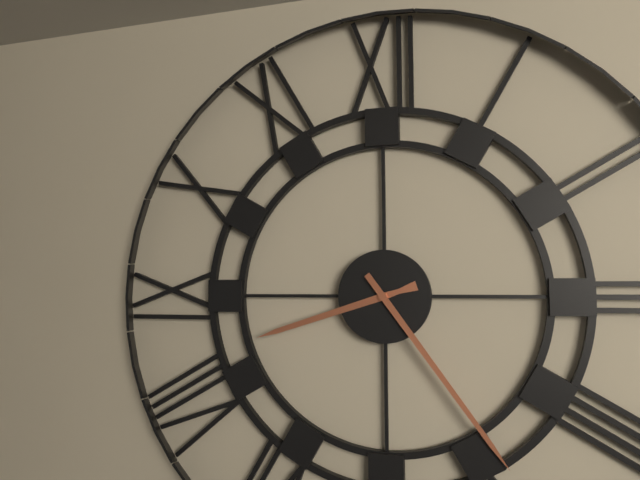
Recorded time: 8:24
